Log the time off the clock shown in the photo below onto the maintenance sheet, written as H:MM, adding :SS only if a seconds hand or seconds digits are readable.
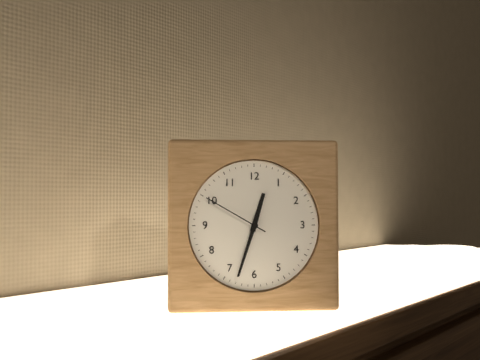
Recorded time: 12:33:50
